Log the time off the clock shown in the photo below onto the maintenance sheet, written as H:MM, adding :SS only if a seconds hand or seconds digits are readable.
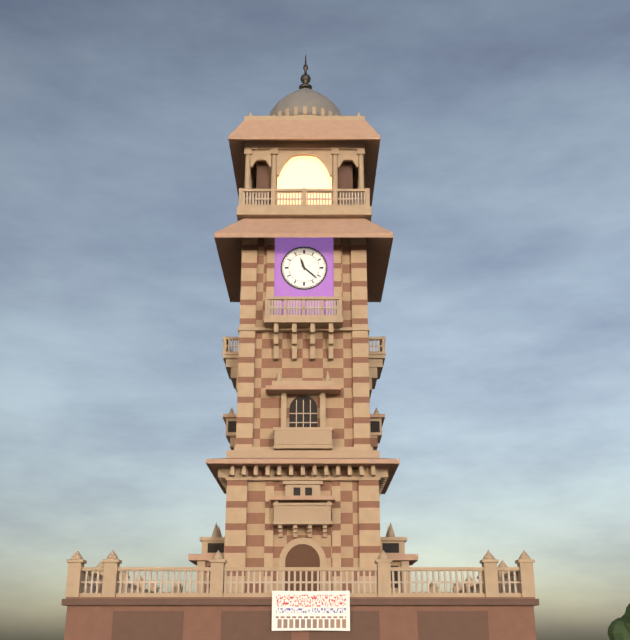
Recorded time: 11:22
